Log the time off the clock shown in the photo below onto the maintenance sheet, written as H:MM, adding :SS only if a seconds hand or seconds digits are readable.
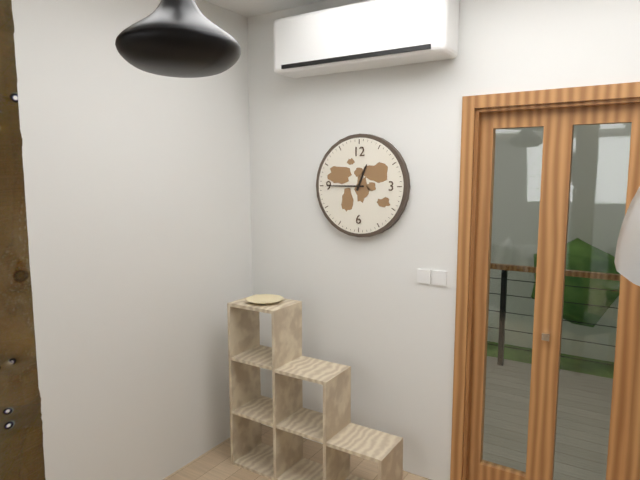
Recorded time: 12:45
